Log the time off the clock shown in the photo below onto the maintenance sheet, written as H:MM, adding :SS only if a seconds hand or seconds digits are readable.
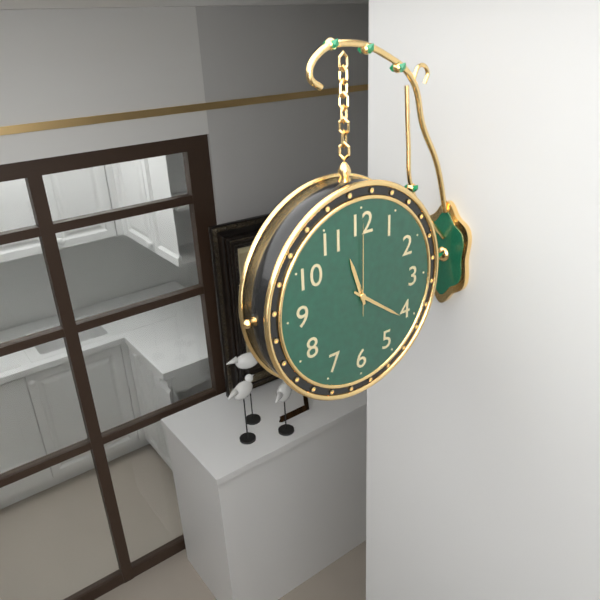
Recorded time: 11:21:00
